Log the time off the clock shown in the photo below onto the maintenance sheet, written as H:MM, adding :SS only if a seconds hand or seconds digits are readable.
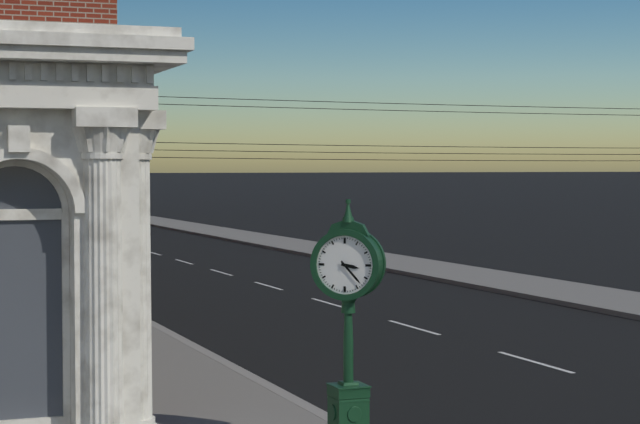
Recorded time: 3:23
